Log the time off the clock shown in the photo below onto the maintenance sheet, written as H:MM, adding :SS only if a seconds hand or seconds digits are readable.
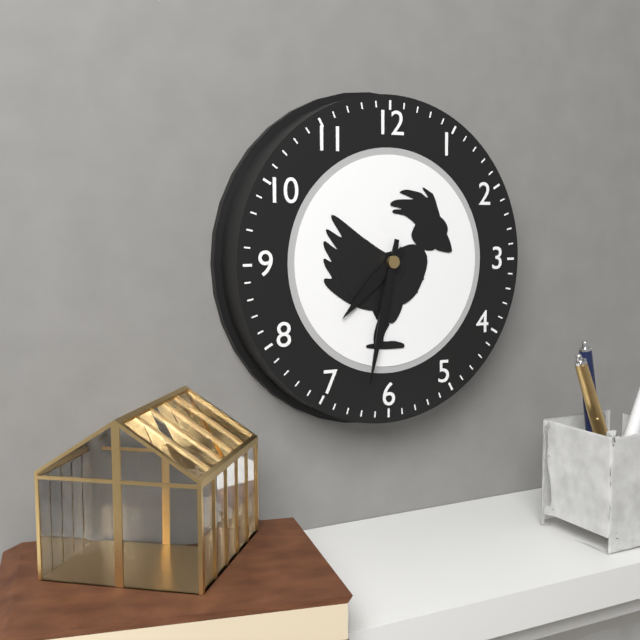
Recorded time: 7:32
